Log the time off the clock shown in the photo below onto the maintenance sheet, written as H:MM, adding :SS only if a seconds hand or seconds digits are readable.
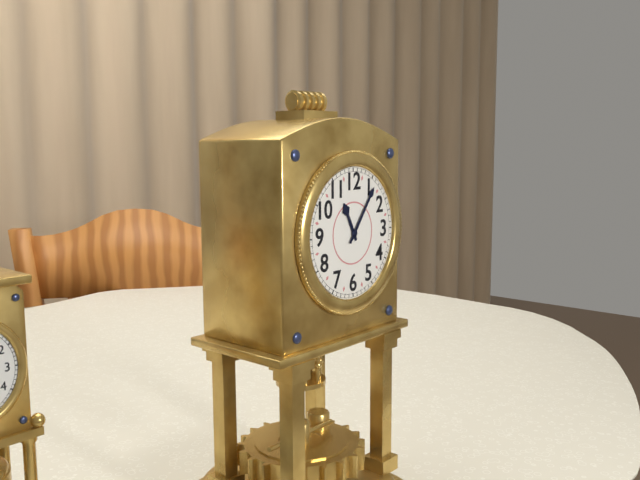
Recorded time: 11:06
